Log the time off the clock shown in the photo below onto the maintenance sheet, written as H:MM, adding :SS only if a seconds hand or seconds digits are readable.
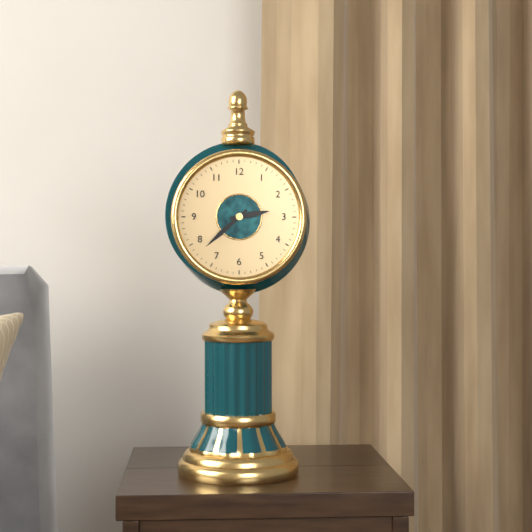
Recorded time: 2:38
